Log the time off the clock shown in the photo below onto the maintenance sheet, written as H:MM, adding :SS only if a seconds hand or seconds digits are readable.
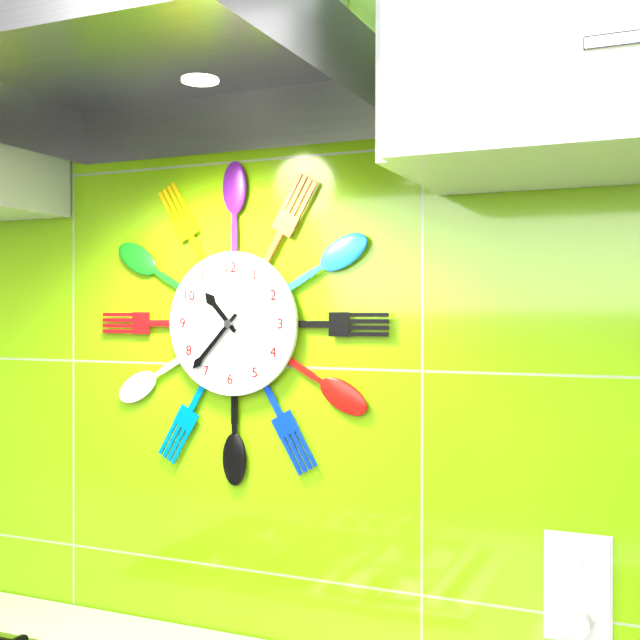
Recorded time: 10:37
